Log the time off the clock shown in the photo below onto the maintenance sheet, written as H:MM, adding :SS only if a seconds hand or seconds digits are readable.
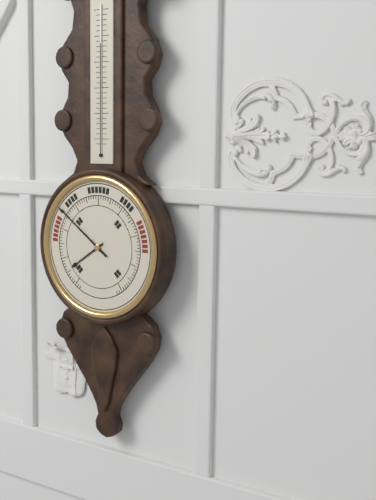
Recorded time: 7:51
